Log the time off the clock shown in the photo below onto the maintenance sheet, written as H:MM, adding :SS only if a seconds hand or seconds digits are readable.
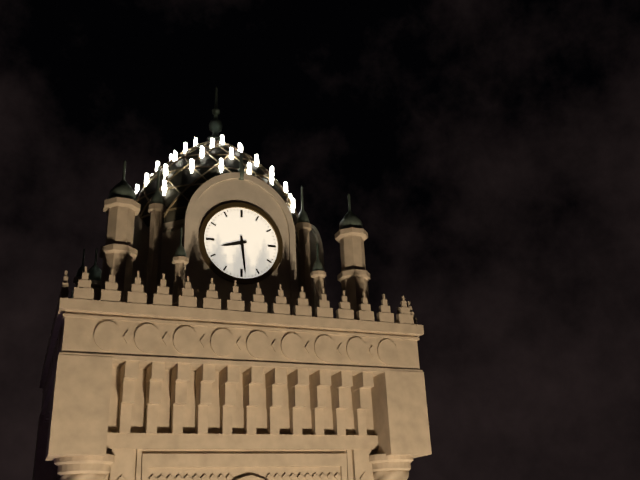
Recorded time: 8:29
